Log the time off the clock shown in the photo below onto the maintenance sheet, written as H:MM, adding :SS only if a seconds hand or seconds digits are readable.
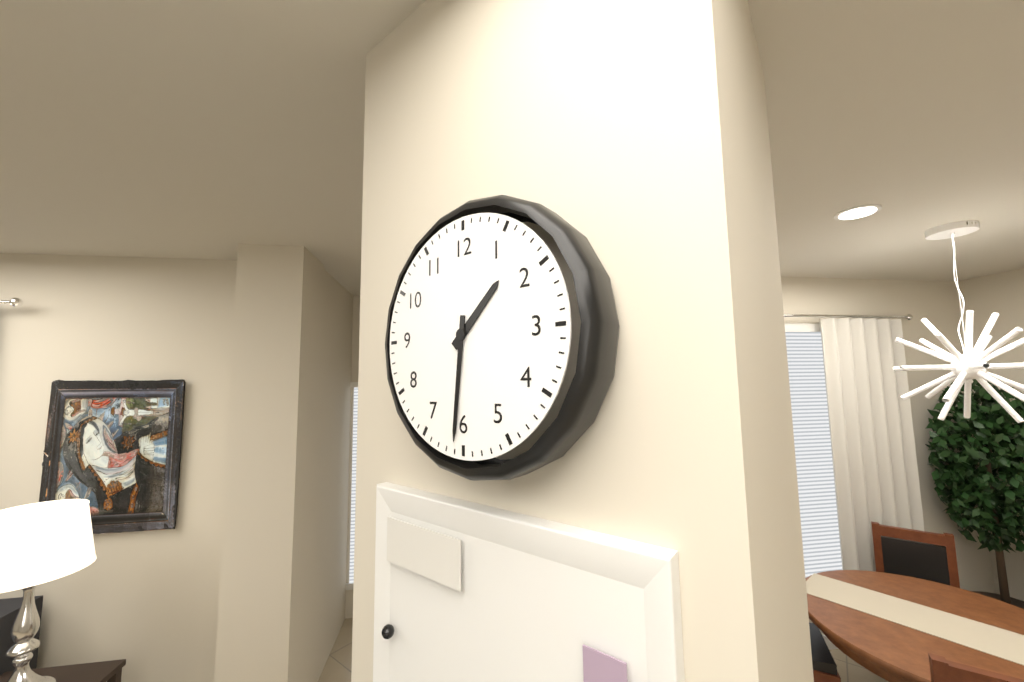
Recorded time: 1:31
